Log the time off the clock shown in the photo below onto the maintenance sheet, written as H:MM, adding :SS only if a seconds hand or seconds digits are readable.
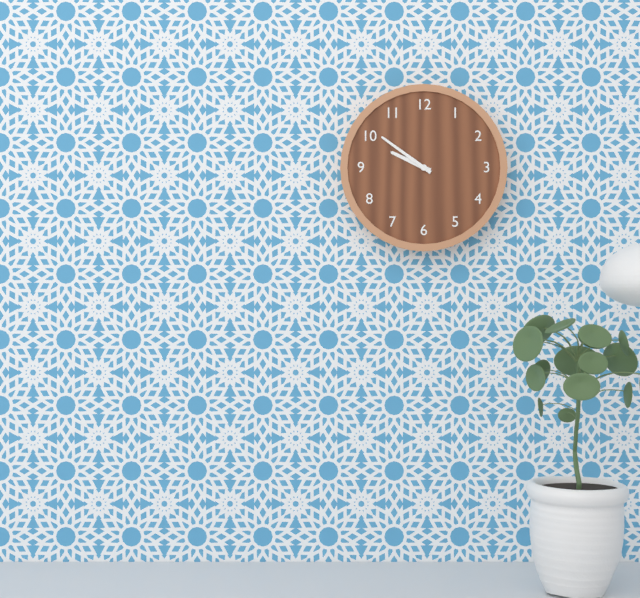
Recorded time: 9:51
